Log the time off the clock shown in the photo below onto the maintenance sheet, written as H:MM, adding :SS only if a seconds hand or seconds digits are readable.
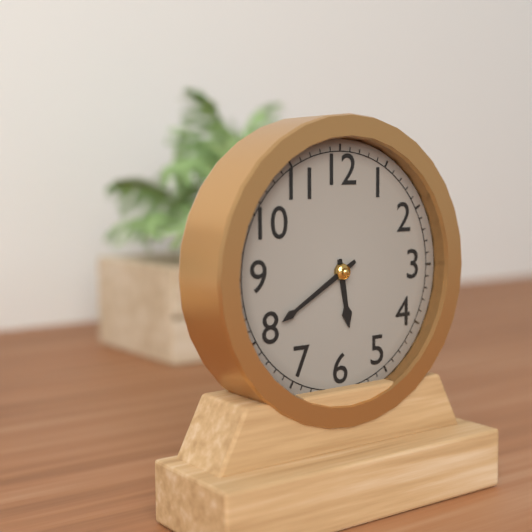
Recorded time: 5:40
